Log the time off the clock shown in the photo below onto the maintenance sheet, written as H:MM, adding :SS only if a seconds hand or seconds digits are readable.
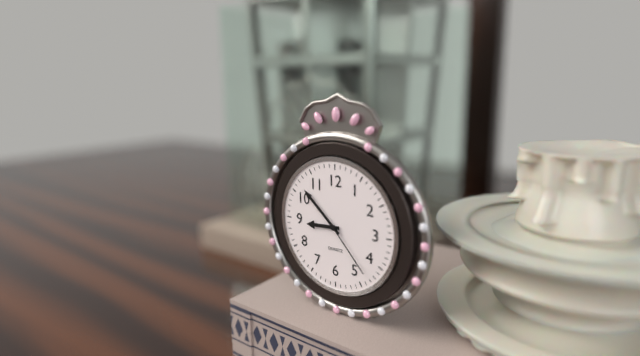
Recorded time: 8:52:23
